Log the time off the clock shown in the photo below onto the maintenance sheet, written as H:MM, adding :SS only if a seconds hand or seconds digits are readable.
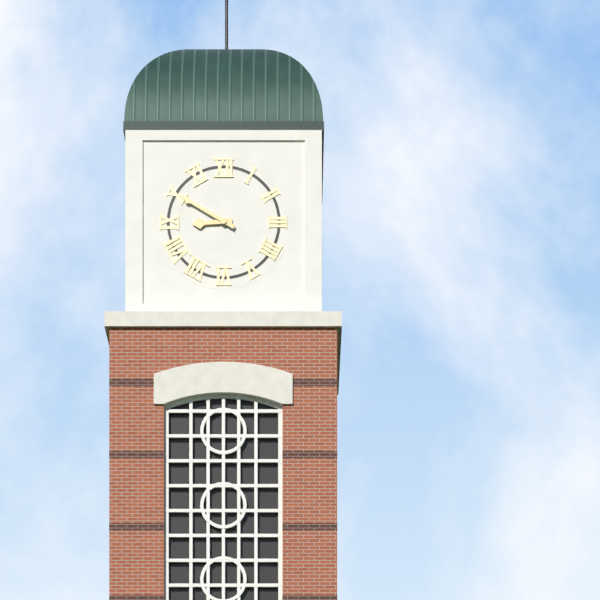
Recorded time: 8:50
